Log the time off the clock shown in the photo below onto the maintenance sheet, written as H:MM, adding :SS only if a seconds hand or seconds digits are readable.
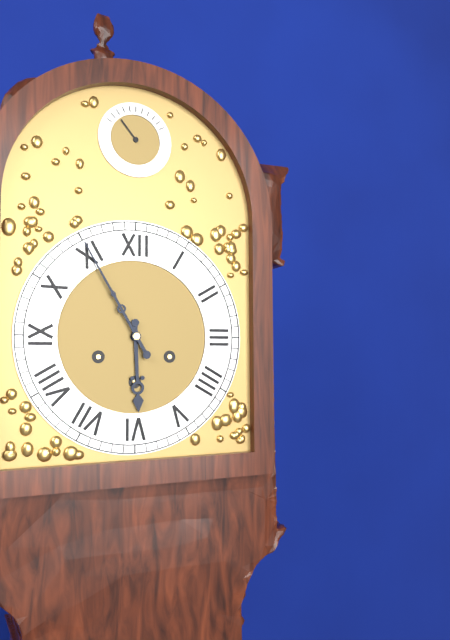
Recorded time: 5:55
